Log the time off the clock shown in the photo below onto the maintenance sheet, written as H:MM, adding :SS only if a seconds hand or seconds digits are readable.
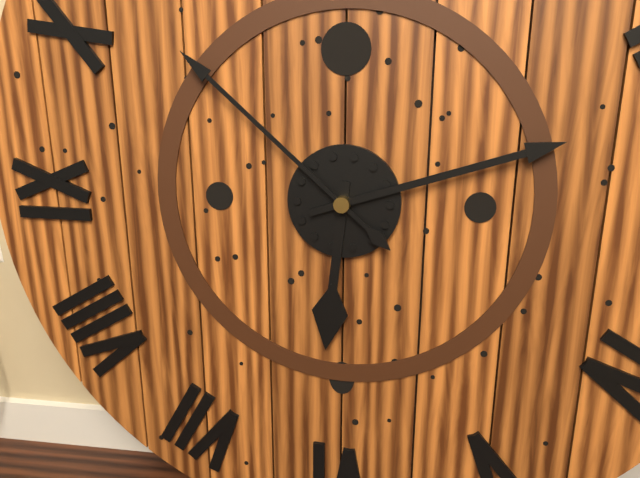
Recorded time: 6:12:52
